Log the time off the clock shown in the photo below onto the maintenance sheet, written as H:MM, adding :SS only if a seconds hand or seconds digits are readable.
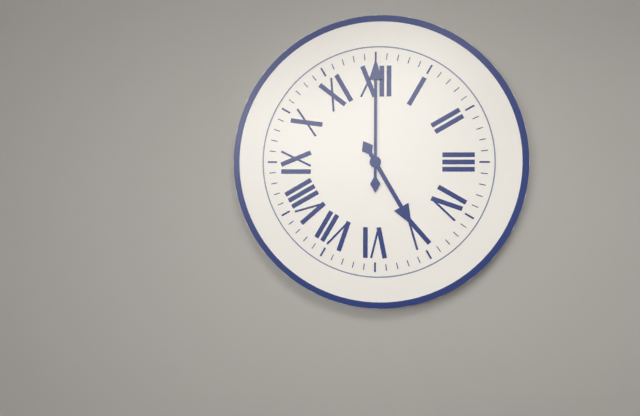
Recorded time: 5:00
